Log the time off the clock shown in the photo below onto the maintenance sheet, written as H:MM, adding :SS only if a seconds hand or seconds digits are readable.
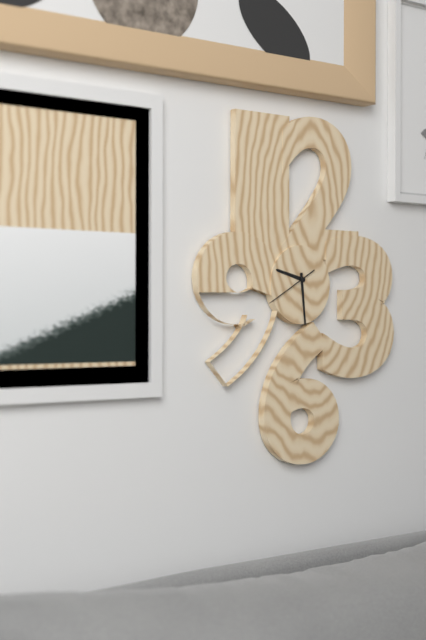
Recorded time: 9:29:40
